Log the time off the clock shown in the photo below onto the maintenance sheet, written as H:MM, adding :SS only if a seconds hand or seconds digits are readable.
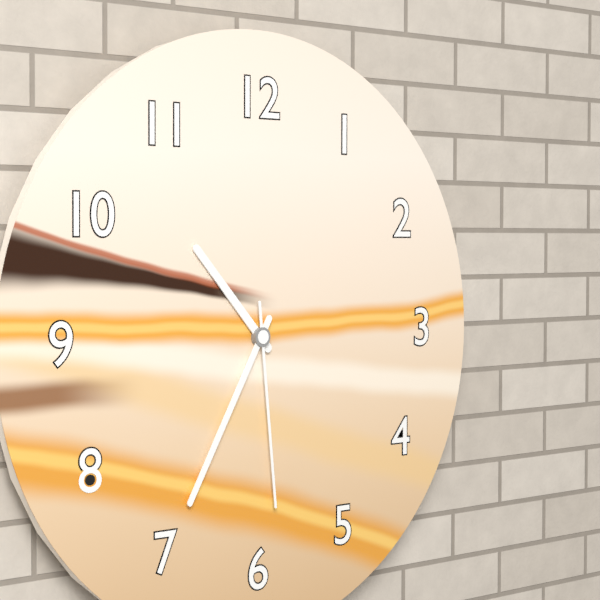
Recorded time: 10:35:29
